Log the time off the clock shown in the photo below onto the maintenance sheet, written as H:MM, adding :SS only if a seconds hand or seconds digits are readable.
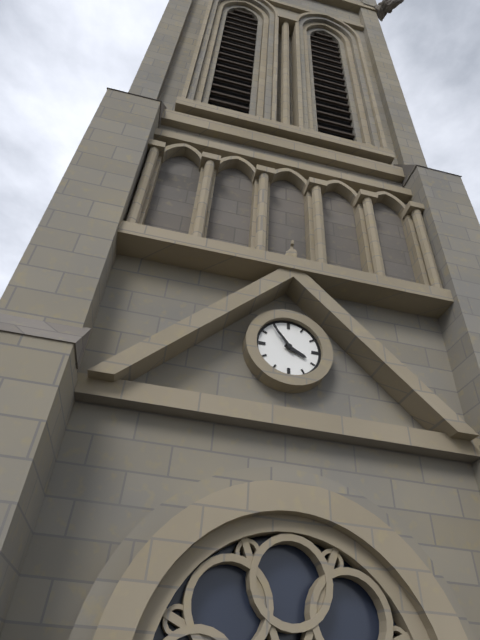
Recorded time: 3:54
